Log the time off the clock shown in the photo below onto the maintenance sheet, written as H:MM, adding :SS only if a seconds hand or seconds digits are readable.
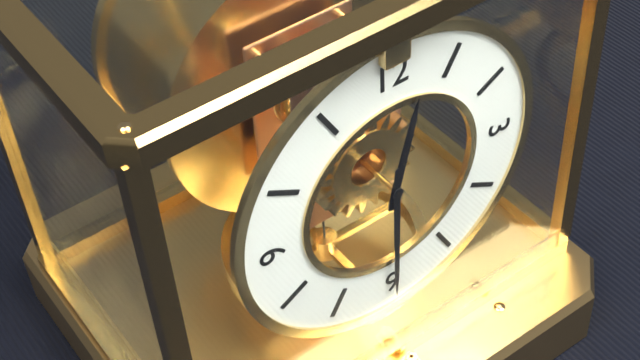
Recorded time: 12:30
